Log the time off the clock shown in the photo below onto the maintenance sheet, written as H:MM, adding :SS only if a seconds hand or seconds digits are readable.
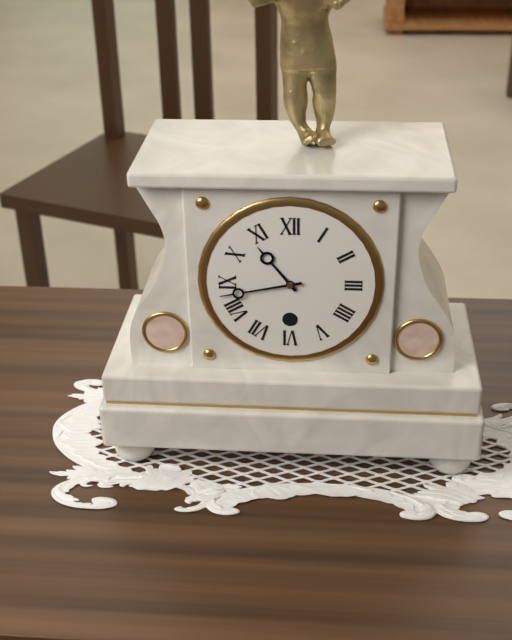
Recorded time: 10:43
